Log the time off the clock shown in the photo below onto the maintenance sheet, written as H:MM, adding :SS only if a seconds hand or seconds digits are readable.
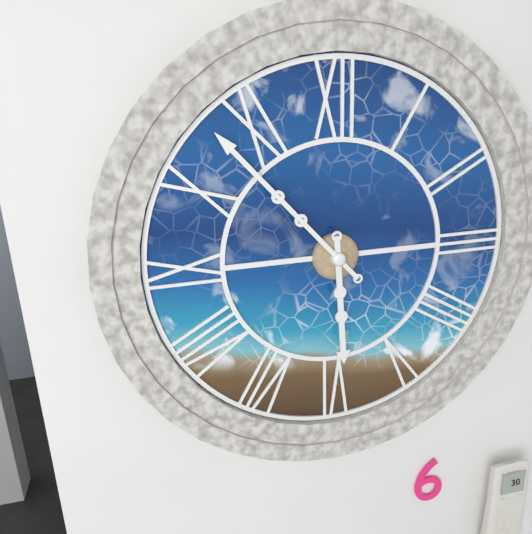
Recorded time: 5:53
